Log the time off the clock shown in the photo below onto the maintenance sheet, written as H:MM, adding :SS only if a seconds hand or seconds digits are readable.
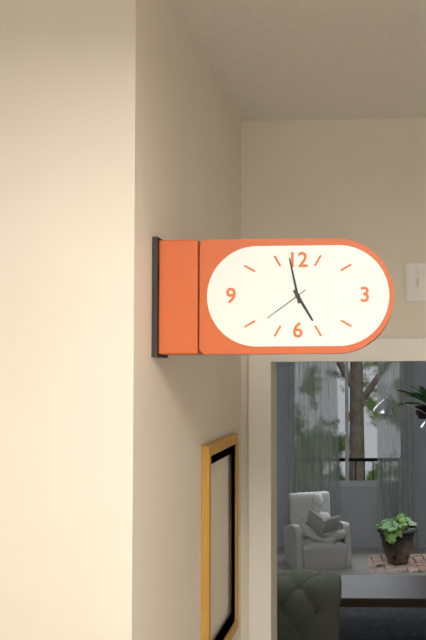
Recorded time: 4:58
